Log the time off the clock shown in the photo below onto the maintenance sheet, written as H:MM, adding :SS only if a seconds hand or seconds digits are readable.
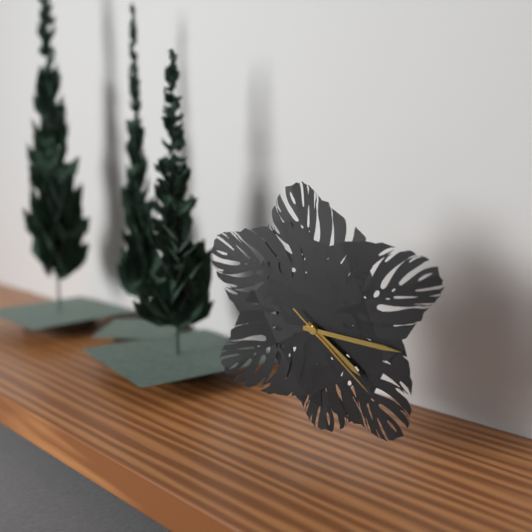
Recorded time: 4:16:22
